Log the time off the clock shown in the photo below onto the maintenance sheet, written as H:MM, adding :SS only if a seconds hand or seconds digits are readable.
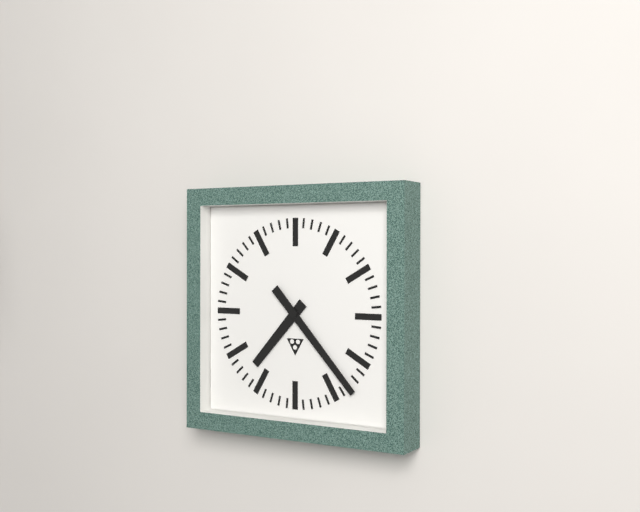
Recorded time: 7:23
